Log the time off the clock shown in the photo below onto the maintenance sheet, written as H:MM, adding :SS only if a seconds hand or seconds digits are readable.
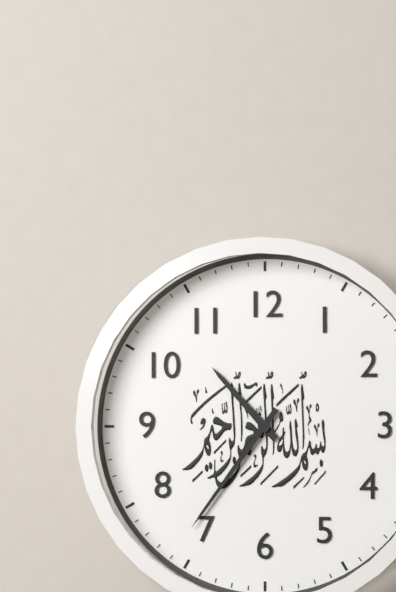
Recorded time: 10:36
